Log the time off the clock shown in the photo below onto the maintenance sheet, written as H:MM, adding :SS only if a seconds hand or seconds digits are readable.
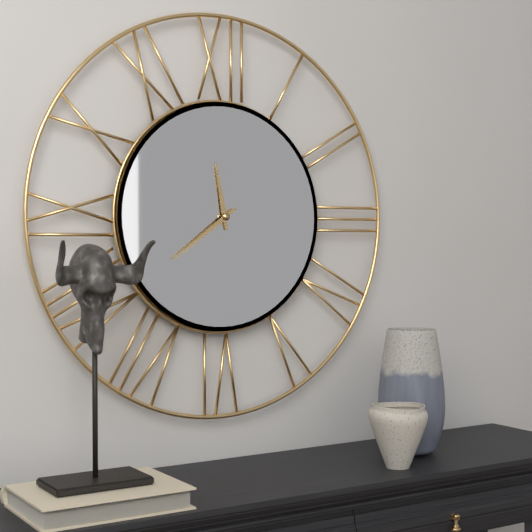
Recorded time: 11:39
